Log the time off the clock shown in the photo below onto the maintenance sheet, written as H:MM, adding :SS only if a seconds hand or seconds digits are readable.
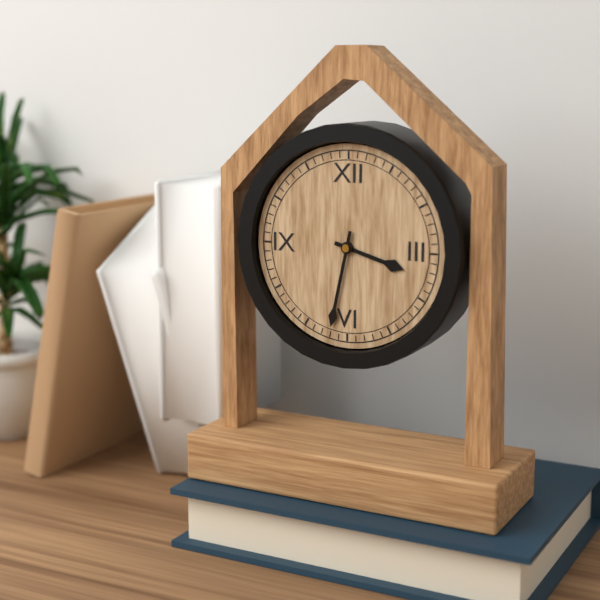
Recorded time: 3:32
